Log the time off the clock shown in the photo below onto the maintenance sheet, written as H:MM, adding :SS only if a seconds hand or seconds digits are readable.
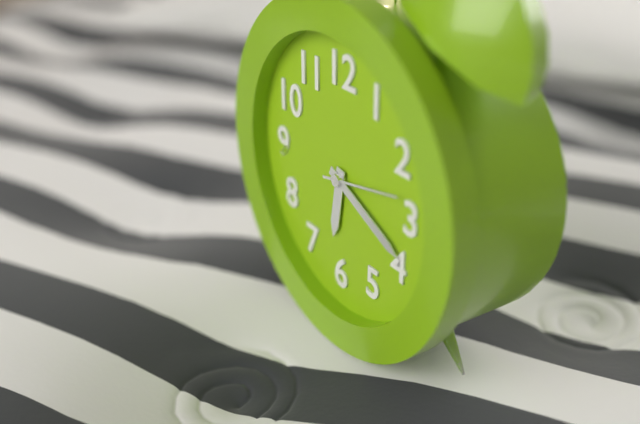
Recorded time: 6:19:13
